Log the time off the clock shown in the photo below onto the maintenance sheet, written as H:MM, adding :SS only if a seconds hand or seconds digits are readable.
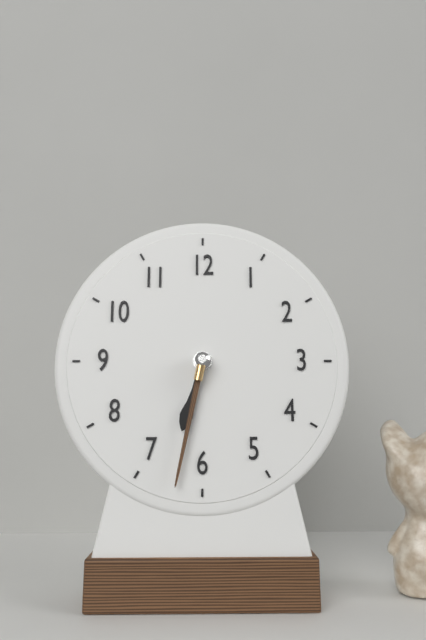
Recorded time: 6:32
